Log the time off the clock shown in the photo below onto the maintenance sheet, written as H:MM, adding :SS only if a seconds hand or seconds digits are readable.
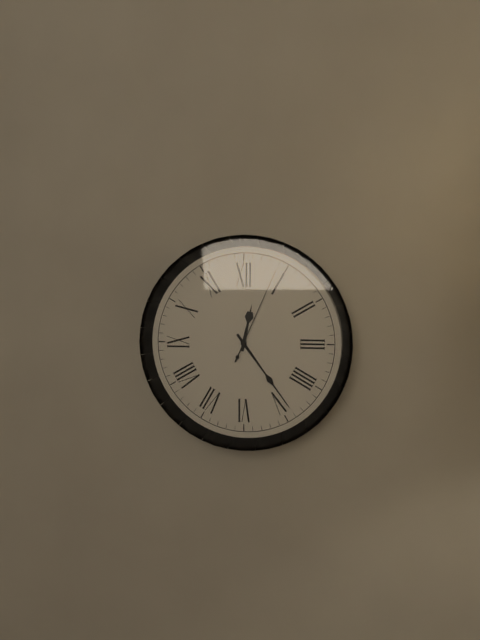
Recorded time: 12:24:04
